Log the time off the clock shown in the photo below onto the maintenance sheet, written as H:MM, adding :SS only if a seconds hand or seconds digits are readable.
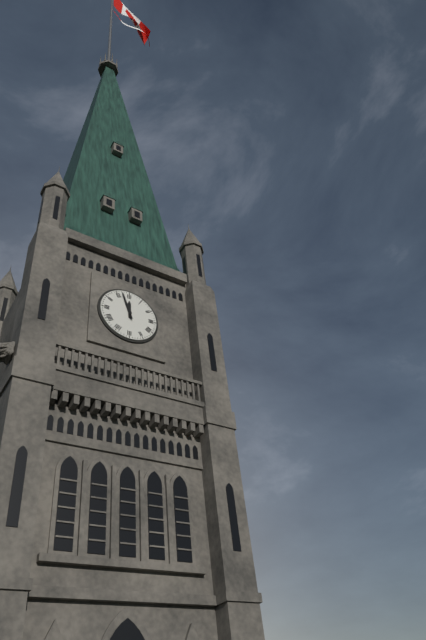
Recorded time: 11:57
